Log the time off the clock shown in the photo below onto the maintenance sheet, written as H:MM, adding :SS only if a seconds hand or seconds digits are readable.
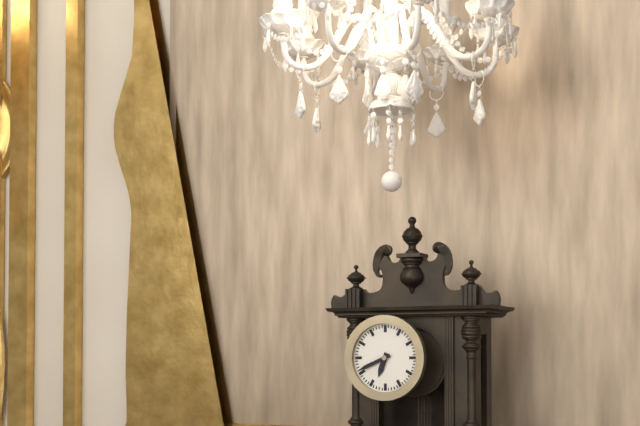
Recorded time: 6:41
